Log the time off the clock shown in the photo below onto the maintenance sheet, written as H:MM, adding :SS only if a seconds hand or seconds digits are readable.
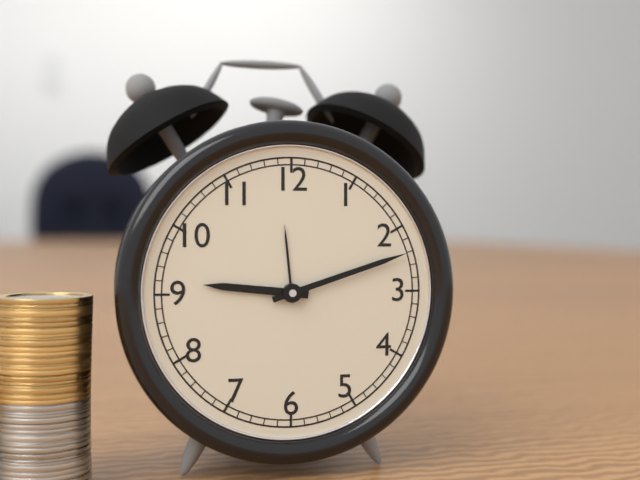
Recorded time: 9:12
